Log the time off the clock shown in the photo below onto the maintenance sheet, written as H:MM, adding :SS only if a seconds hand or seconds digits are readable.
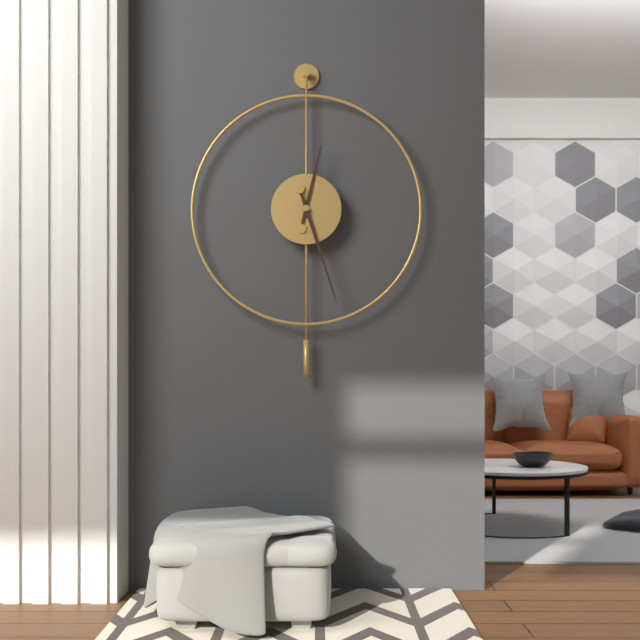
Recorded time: 12:27
